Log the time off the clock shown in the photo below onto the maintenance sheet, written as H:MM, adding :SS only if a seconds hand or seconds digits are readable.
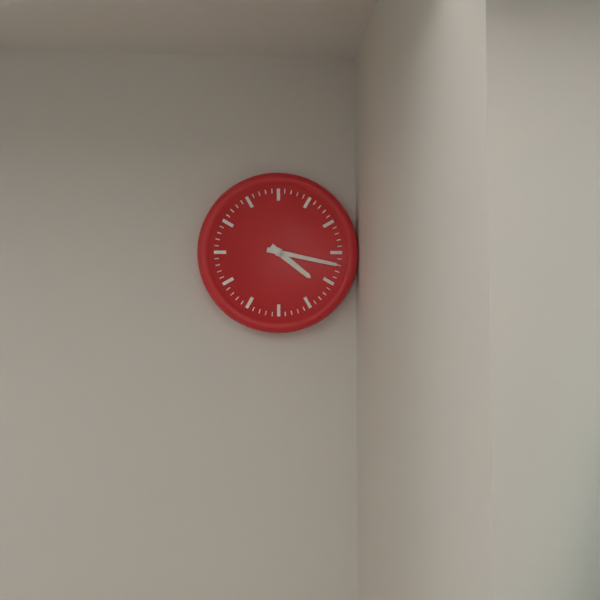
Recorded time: 4:17
